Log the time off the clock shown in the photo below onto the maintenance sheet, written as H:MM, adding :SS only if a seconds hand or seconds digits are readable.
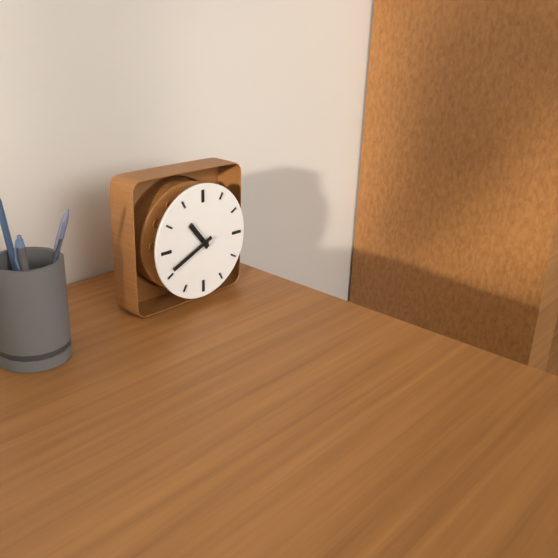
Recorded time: 10:41
